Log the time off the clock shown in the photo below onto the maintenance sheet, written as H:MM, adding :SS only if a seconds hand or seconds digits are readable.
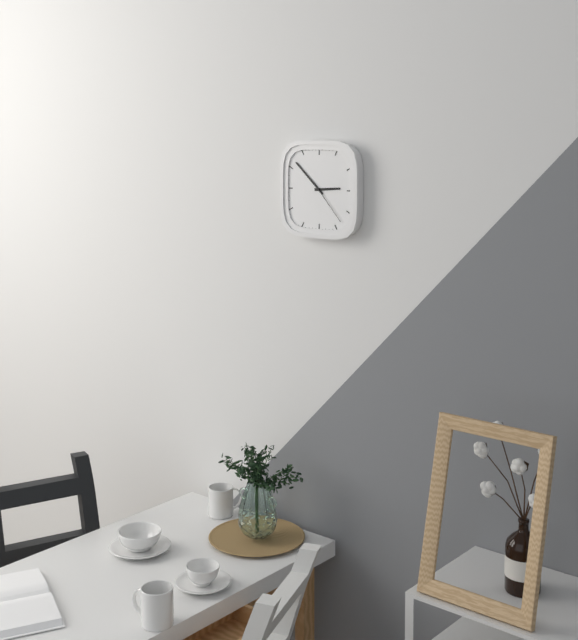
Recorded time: 2:52
